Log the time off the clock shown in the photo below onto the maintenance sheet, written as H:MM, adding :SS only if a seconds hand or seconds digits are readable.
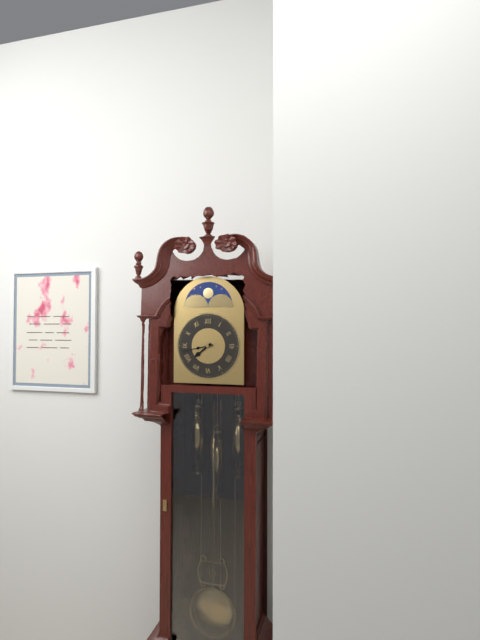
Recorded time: 7:43
